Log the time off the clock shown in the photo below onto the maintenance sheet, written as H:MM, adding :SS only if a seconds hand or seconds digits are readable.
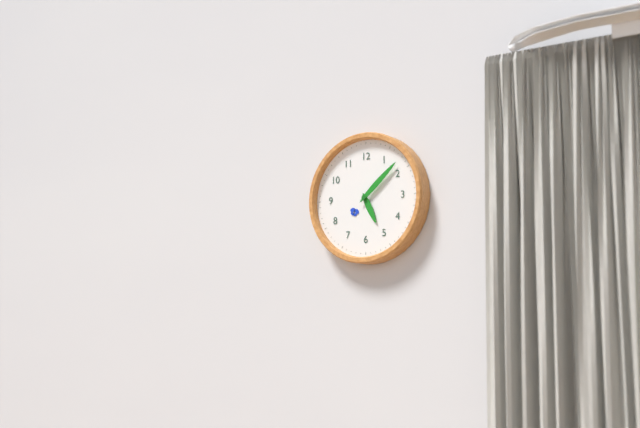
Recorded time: 5:08
